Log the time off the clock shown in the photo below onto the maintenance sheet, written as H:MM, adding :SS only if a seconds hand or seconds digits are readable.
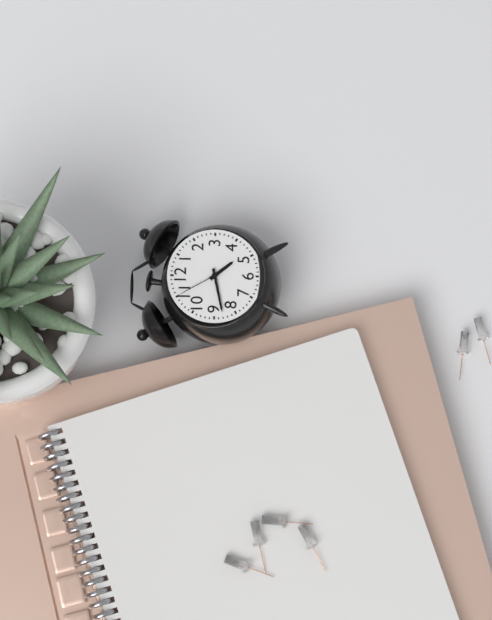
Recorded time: 4:43:55
